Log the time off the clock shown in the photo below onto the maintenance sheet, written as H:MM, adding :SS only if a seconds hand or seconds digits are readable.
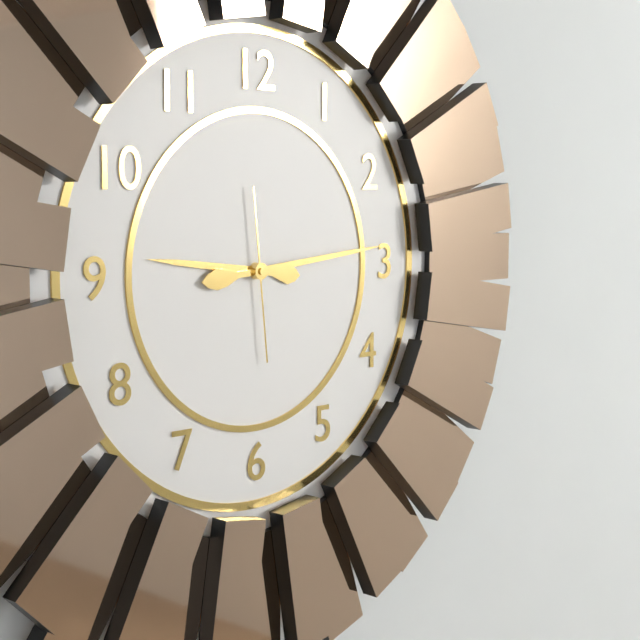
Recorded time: 9:14:29
